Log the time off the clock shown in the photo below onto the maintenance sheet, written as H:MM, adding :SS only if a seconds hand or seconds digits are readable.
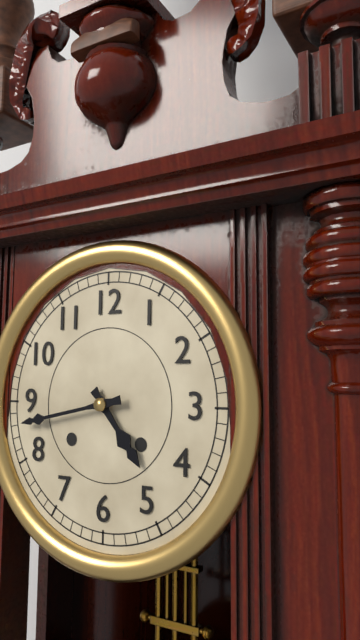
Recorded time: 4:43
